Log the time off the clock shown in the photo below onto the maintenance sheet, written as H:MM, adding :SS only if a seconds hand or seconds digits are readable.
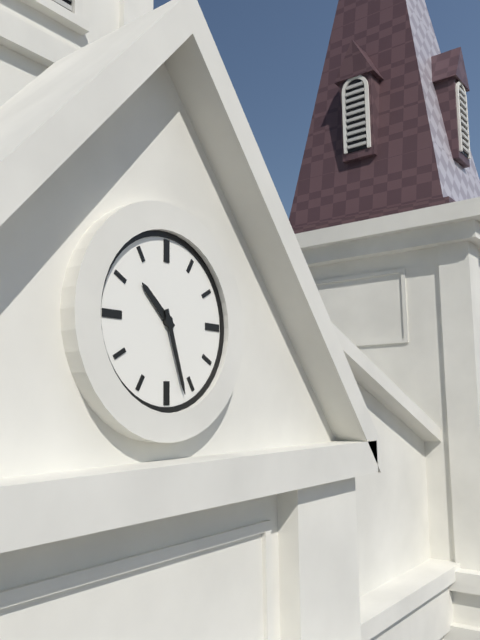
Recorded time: 10:27
